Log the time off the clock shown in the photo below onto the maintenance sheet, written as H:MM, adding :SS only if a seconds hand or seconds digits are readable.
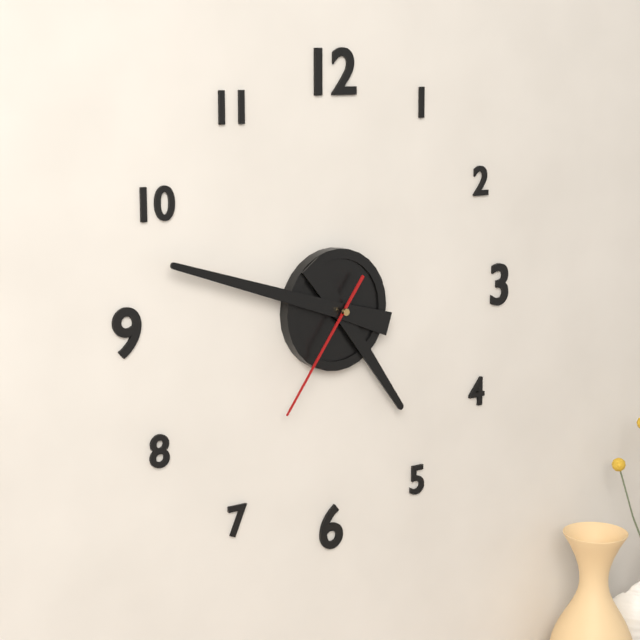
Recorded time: 4:48:36
